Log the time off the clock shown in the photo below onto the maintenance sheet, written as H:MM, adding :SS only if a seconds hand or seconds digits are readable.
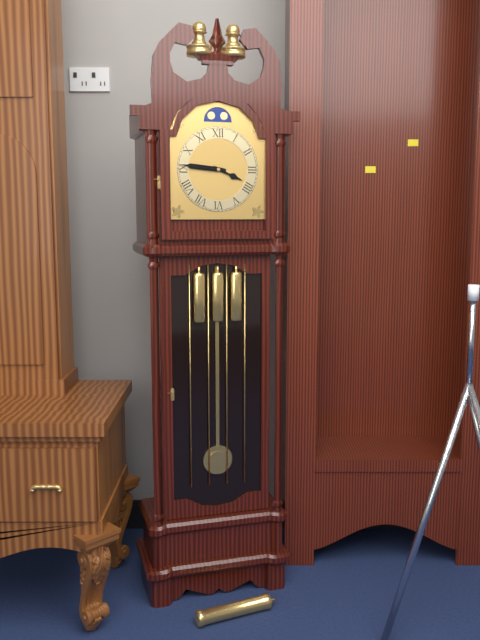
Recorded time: 3:46
